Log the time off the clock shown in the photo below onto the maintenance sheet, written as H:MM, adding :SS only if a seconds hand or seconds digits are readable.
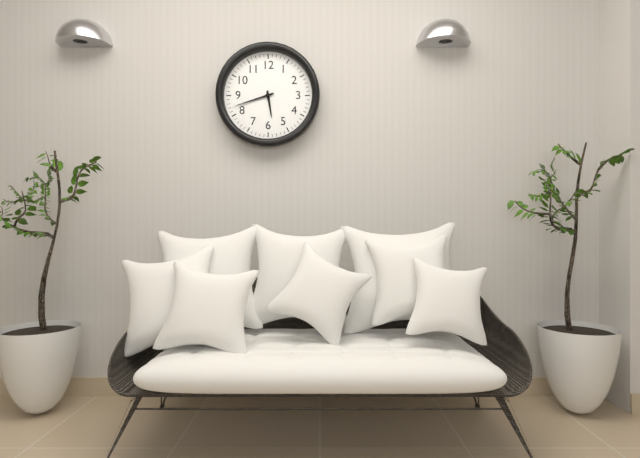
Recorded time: 5:42
